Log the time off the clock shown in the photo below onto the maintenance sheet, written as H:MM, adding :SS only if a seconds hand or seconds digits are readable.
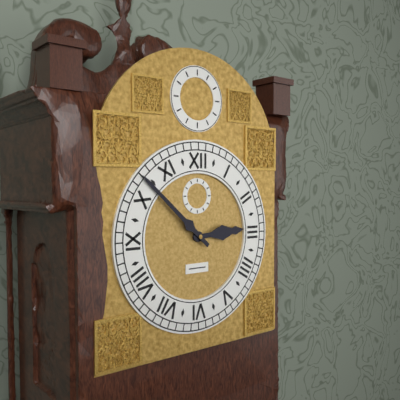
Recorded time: 2:52
